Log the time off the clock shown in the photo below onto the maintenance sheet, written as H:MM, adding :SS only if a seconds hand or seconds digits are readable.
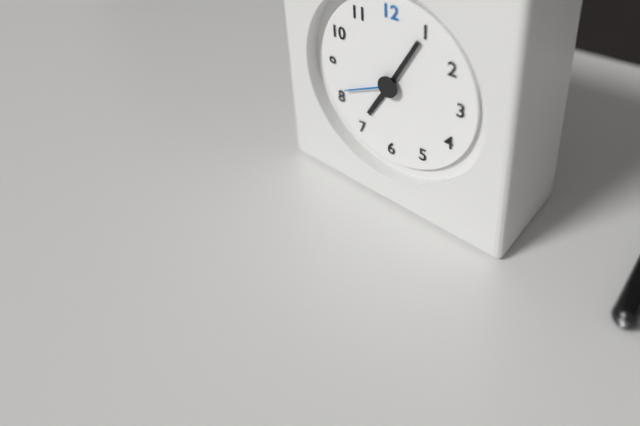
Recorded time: 7:05:41
